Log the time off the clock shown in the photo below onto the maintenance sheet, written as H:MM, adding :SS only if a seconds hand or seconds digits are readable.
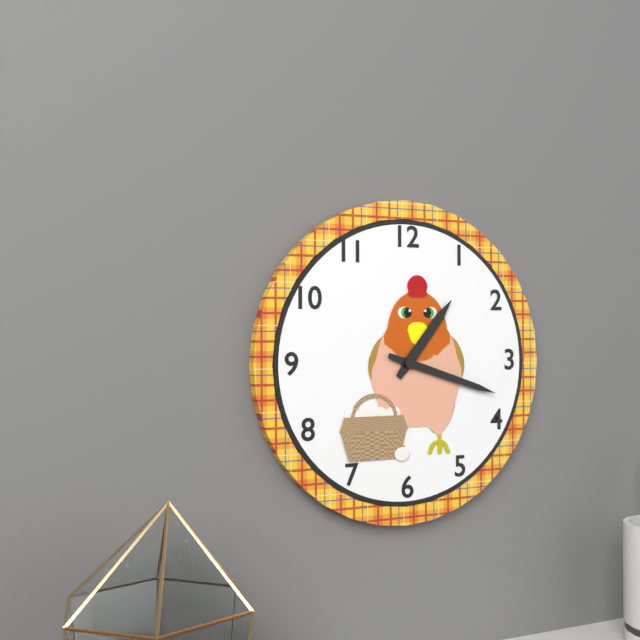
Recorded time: 1:18
